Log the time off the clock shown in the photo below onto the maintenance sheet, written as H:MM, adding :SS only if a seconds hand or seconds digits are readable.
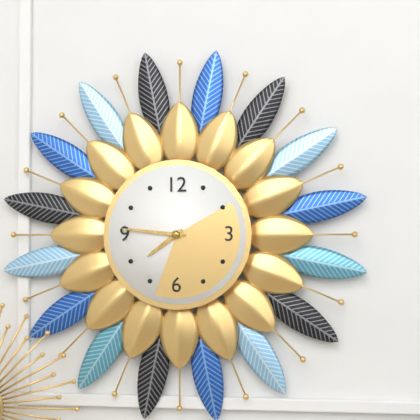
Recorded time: 7:46
